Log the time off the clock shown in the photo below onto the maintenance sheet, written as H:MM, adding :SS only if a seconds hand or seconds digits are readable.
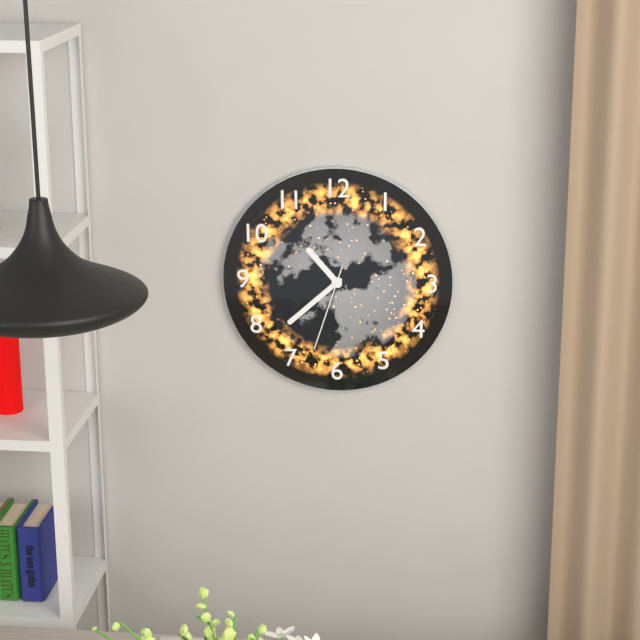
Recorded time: 10:38:33
